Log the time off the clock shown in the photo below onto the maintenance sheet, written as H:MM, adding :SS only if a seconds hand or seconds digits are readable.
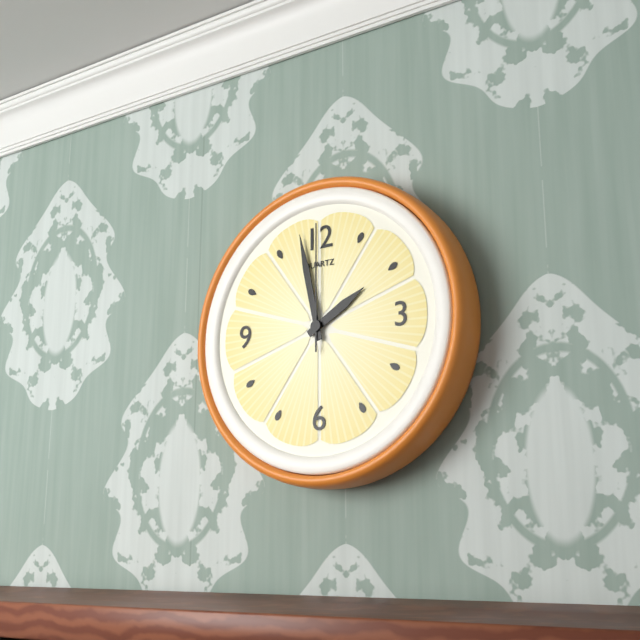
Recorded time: 1:58:00
